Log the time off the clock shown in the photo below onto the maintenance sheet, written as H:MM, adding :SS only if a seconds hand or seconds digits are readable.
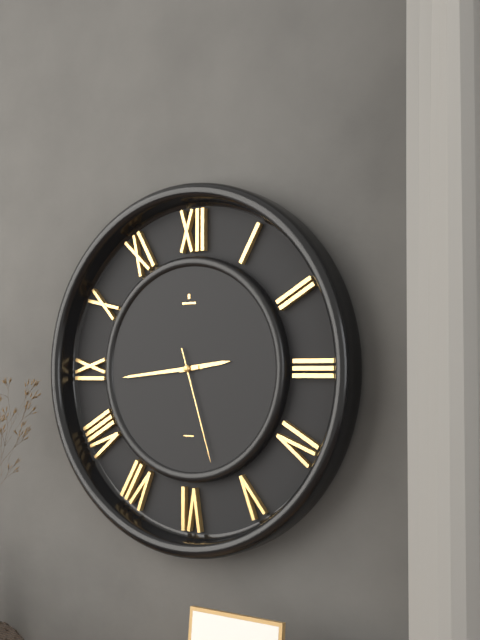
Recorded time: 2:44:27
